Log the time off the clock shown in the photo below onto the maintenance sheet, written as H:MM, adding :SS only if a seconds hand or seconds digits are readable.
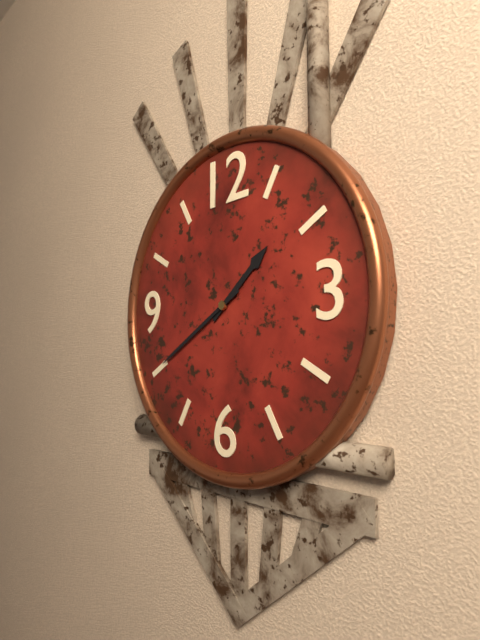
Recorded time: 1:40
